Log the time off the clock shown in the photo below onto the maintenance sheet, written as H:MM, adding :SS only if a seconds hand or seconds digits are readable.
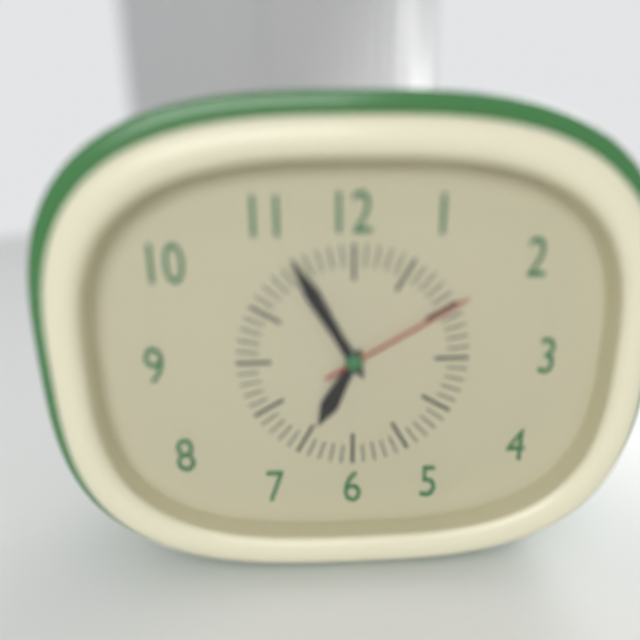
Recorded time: 6:55:10
